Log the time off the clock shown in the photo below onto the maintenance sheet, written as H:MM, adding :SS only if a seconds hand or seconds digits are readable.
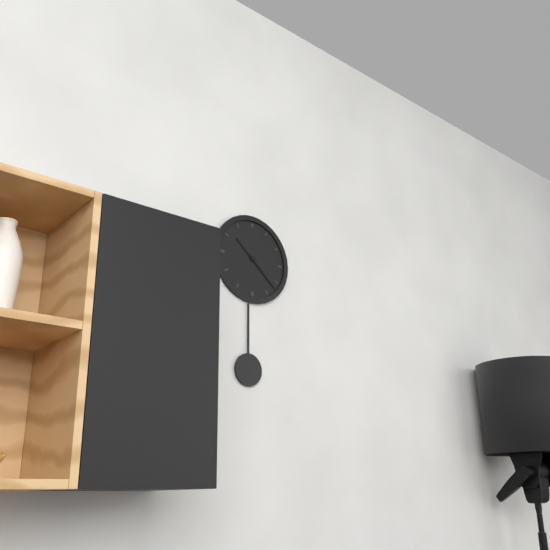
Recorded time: 10:22
